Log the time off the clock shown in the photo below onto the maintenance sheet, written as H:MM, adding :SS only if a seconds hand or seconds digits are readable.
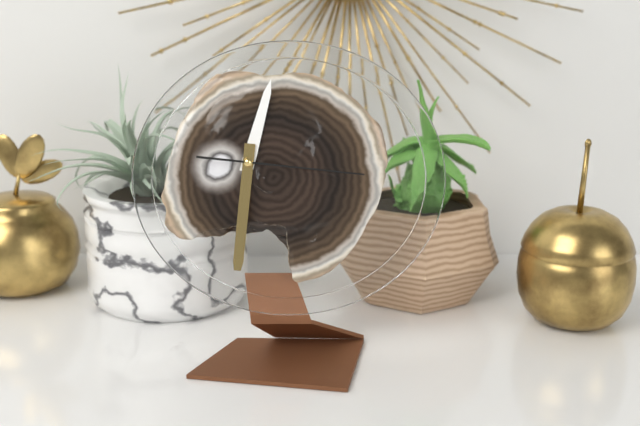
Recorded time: 12:31:16
